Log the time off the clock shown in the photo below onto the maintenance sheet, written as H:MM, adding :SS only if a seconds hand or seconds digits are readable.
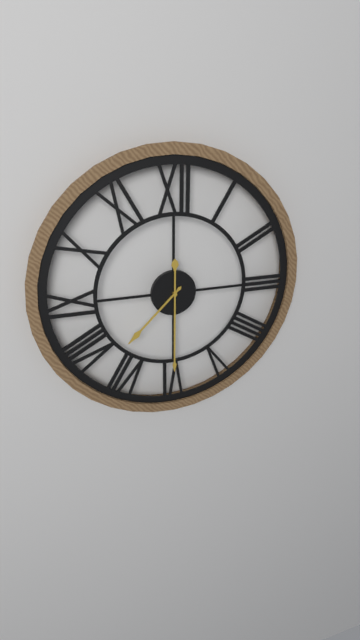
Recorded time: 7:30
